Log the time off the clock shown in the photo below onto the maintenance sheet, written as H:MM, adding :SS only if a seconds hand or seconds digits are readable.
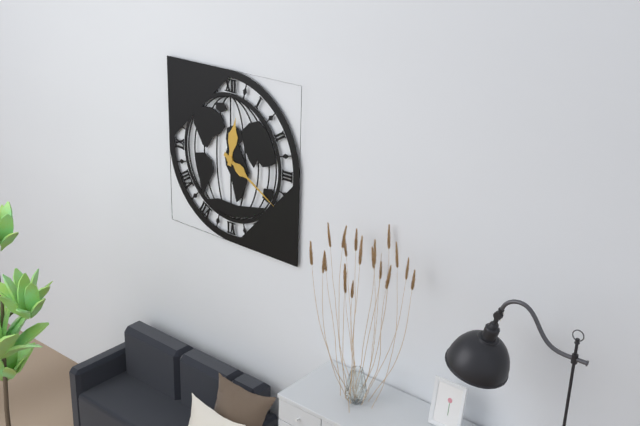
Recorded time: 12:20
